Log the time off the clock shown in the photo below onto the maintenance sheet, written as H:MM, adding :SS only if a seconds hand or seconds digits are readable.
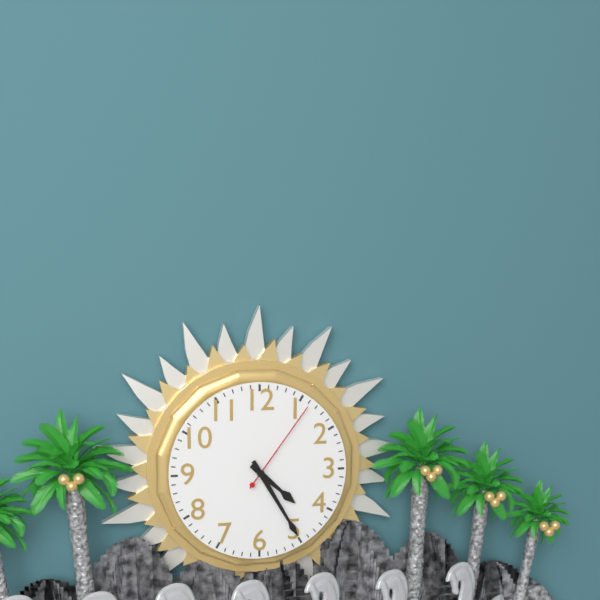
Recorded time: 4:25:06
